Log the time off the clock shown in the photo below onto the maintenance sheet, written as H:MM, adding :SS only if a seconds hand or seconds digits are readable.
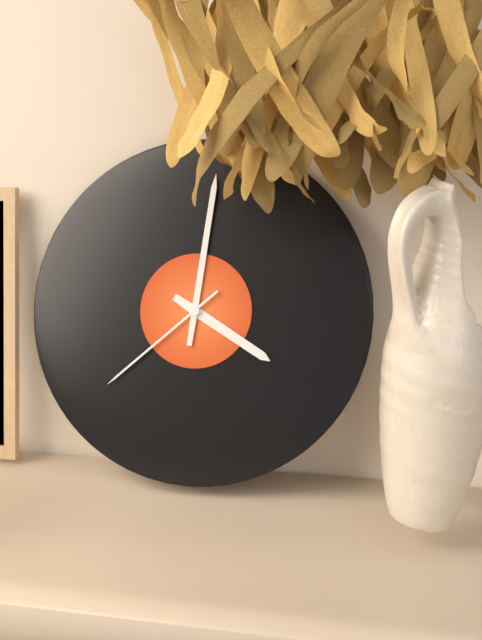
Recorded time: 4:01:38
